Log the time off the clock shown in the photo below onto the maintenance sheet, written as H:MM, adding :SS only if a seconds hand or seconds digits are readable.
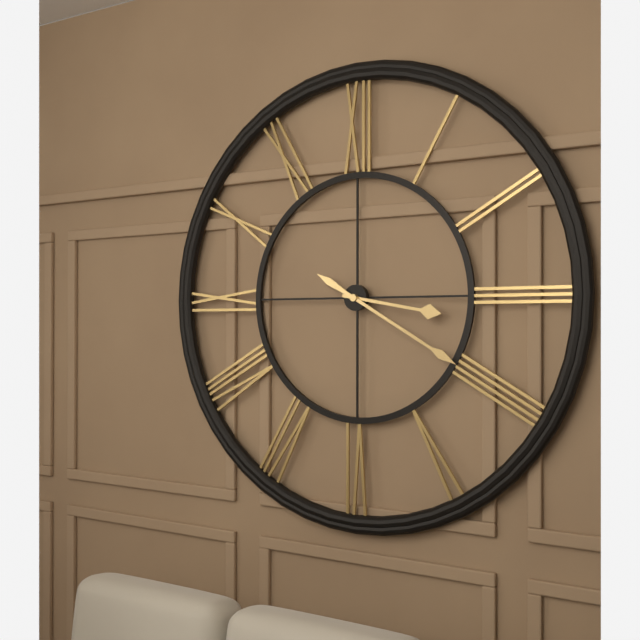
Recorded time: 3:20
